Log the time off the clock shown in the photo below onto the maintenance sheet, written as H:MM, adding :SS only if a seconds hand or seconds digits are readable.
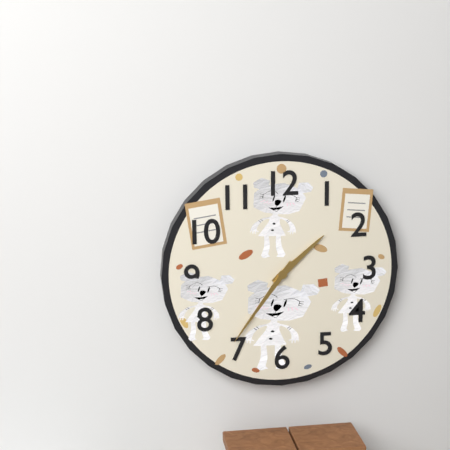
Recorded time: 1:36
